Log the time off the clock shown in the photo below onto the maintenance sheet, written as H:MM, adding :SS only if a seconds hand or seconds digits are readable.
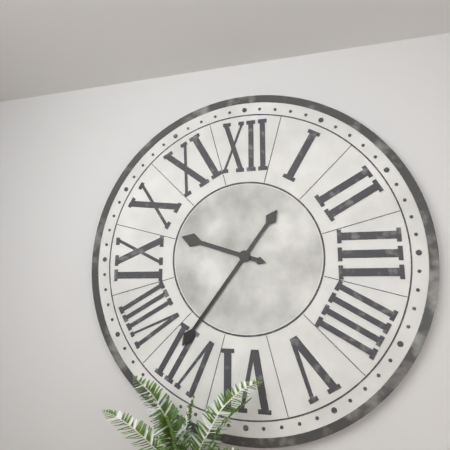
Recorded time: 9:36
